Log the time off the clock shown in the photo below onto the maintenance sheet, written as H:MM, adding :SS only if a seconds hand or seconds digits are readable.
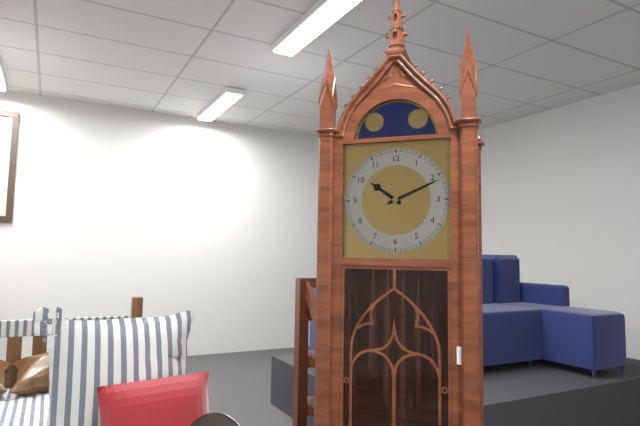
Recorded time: 10:11
